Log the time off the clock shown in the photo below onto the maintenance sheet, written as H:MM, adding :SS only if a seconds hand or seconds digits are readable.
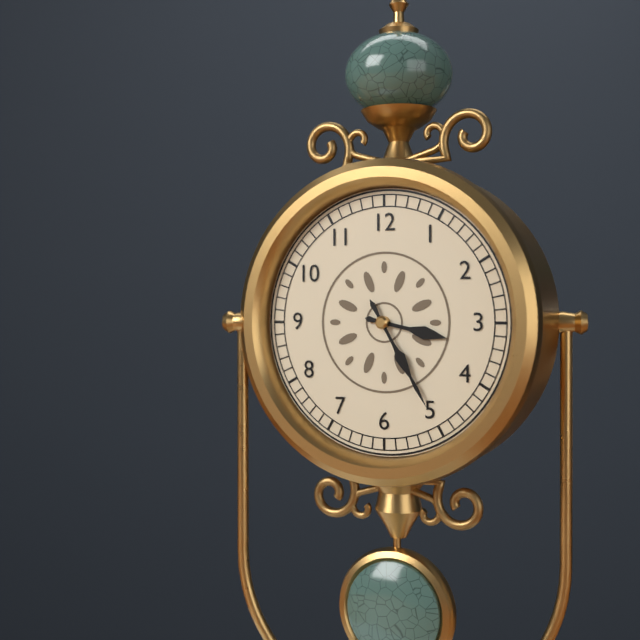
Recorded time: 3:25
